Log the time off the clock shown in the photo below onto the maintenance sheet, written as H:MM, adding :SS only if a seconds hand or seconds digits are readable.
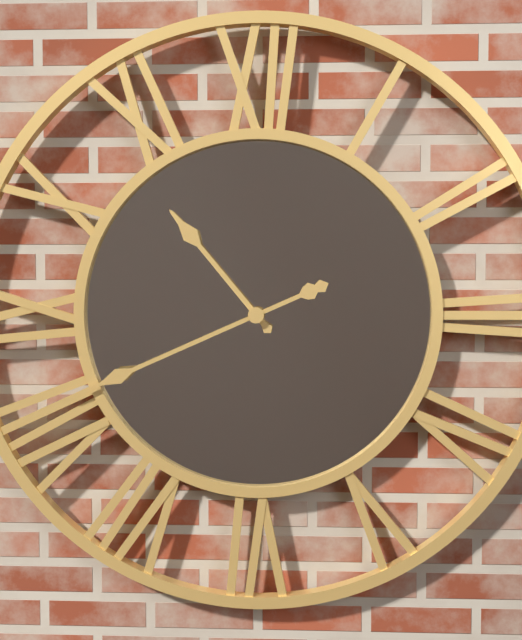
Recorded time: 10:41
